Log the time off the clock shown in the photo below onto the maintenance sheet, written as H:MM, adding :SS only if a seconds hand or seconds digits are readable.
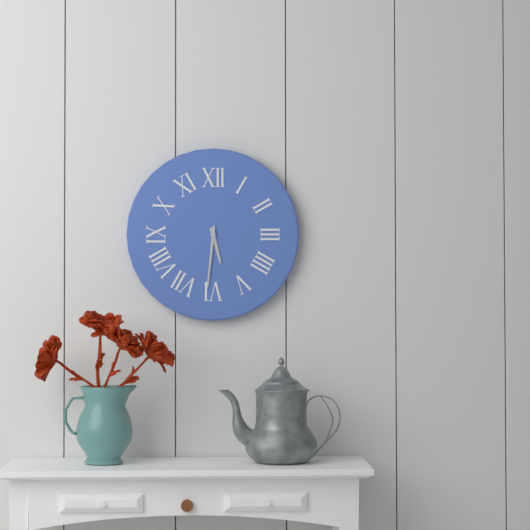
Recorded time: 5:31
